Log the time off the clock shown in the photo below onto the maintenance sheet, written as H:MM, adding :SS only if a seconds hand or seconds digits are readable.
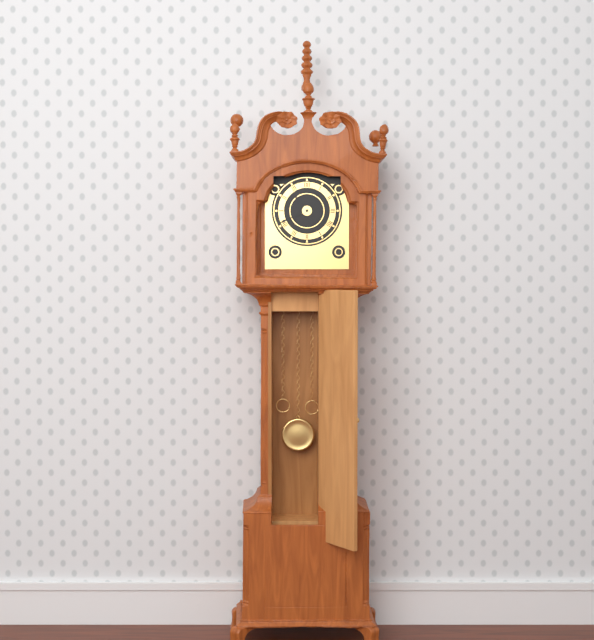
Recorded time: 10:41
